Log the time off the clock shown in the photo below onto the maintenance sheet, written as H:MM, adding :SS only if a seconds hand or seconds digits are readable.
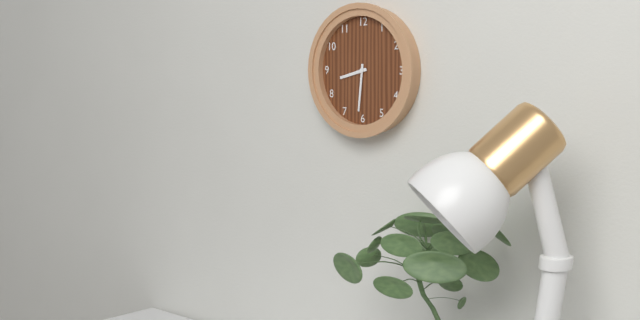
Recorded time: 8:31
